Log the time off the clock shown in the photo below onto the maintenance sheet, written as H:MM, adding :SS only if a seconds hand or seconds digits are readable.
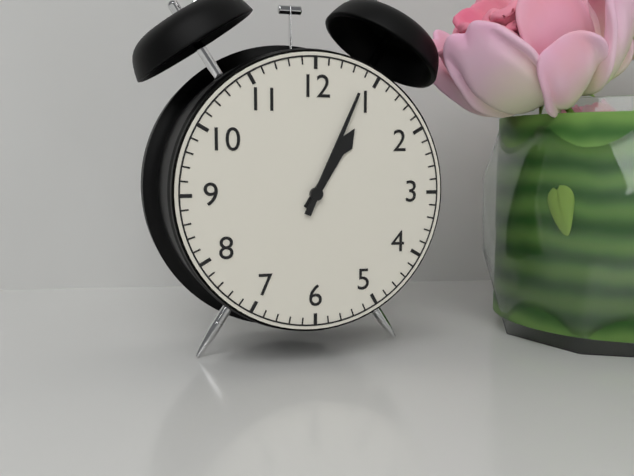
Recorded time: 1:04
